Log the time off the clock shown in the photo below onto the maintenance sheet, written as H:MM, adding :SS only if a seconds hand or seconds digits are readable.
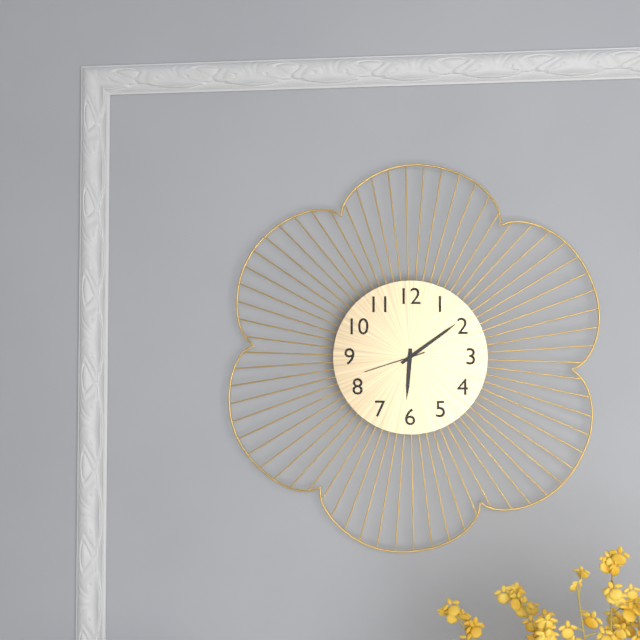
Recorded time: 6:09:42
